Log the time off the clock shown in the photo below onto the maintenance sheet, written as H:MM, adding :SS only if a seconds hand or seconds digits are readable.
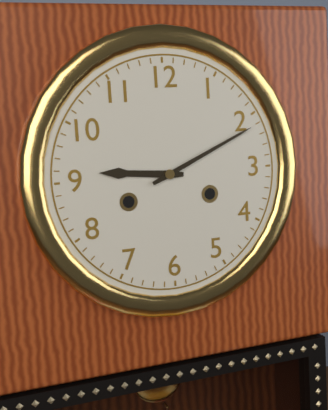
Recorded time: 9:11
